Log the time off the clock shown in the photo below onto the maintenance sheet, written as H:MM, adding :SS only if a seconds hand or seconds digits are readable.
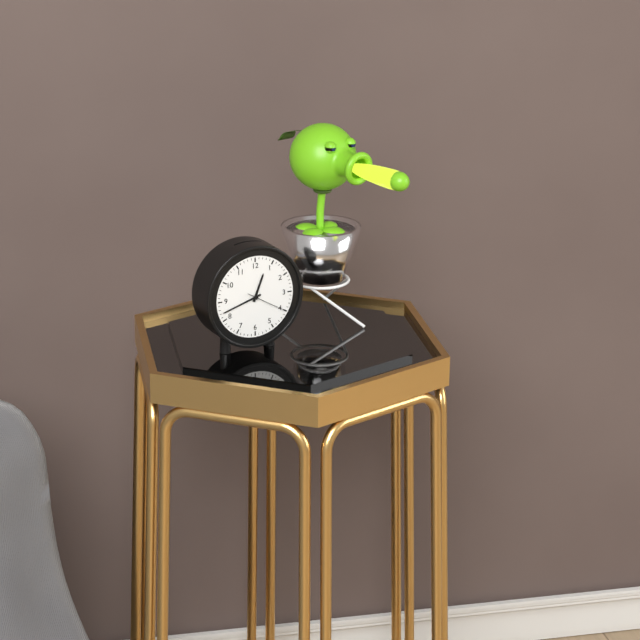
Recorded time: 12:42
